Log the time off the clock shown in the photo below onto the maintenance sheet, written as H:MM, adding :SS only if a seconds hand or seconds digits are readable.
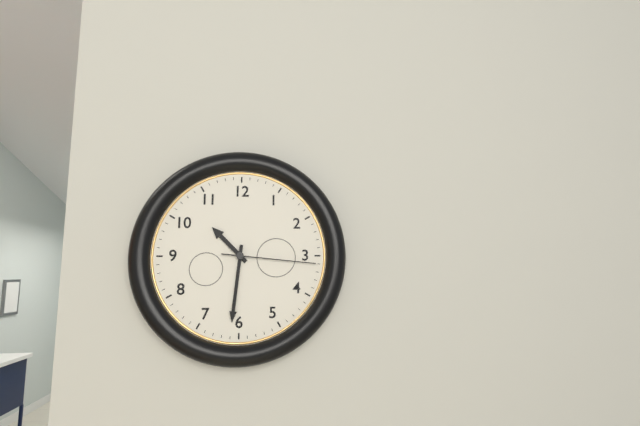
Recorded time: 10:31:16
